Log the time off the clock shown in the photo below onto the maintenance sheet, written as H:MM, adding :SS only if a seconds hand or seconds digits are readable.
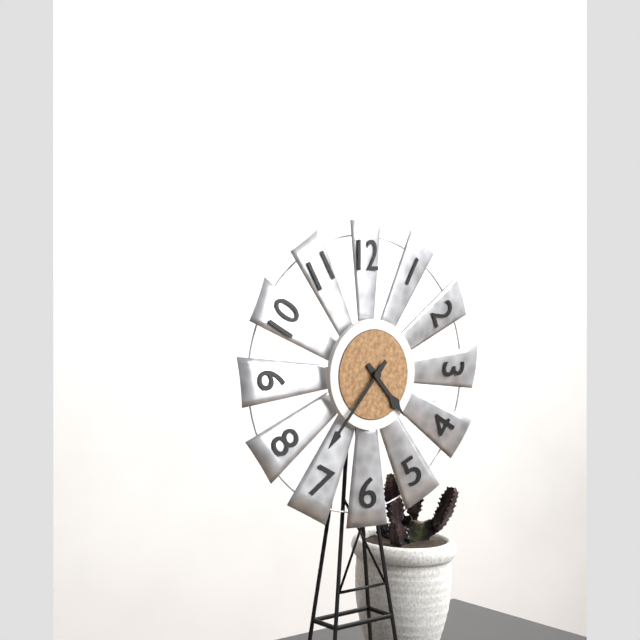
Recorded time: 4:37
